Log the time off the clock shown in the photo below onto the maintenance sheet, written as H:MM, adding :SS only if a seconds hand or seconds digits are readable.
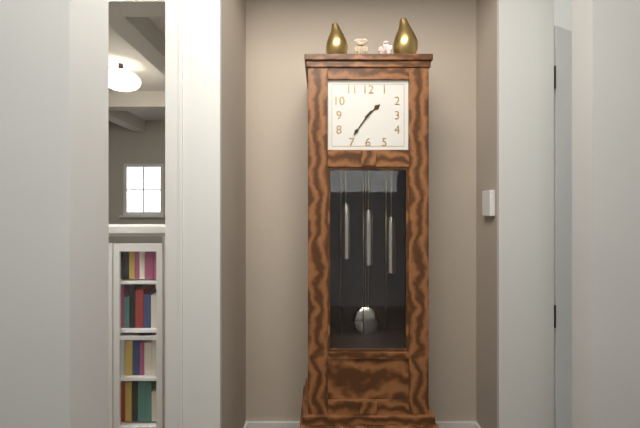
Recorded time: 1:36
